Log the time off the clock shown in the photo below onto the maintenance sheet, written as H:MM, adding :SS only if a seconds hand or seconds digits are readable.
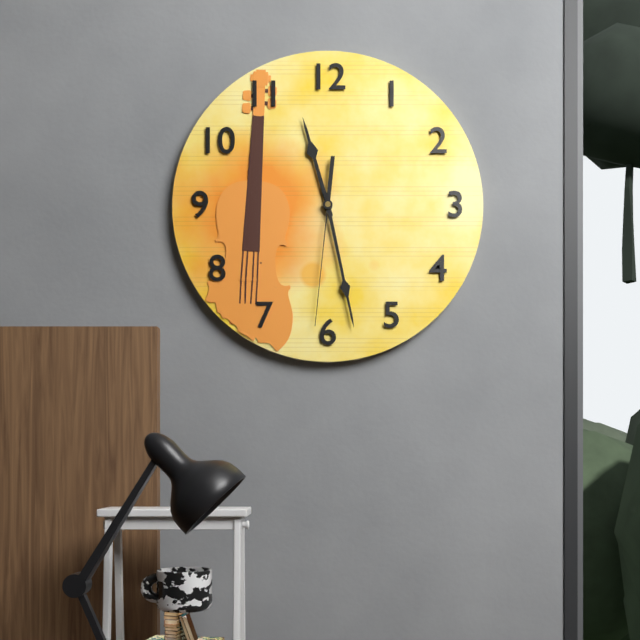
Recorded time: 11:28:31
